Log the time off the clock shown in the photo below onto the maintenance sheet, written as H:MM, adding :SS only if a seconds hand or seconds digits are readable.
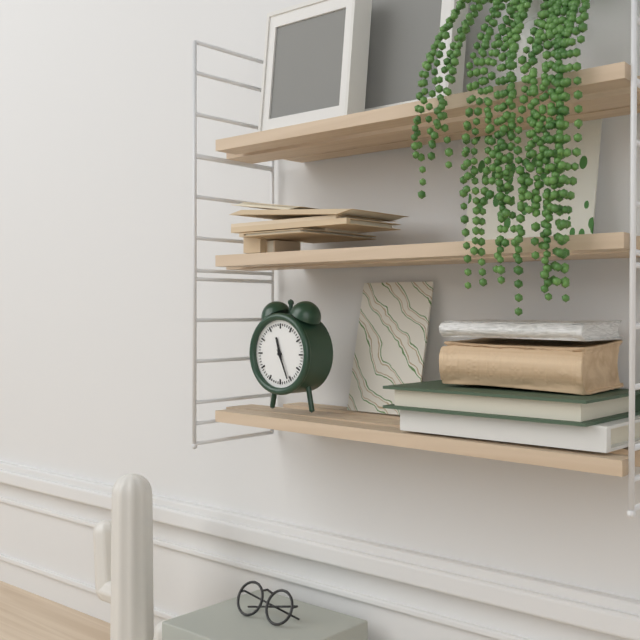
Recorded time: 11:26
